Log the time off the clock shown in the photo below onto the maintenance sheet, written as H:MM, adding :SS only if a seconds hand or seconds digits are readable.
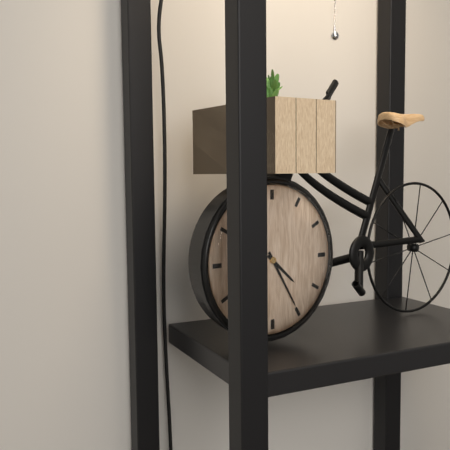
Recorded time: 4:25
